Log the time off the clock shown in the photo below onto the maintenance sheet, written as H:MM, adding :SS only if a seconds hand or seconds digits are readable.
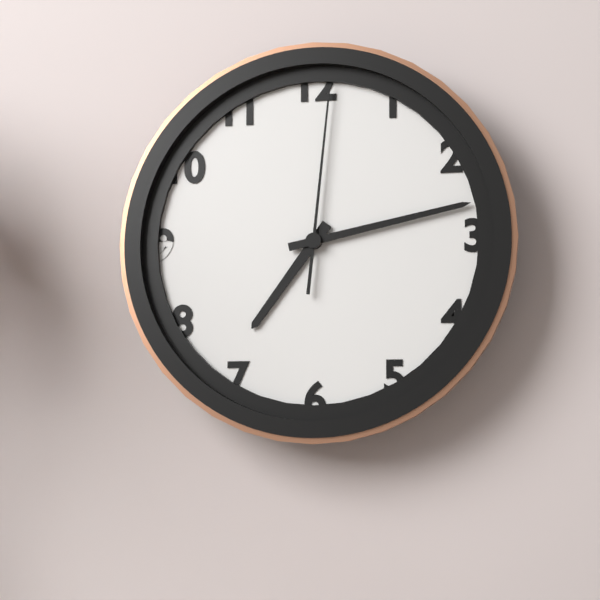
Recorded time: 7:13:01
